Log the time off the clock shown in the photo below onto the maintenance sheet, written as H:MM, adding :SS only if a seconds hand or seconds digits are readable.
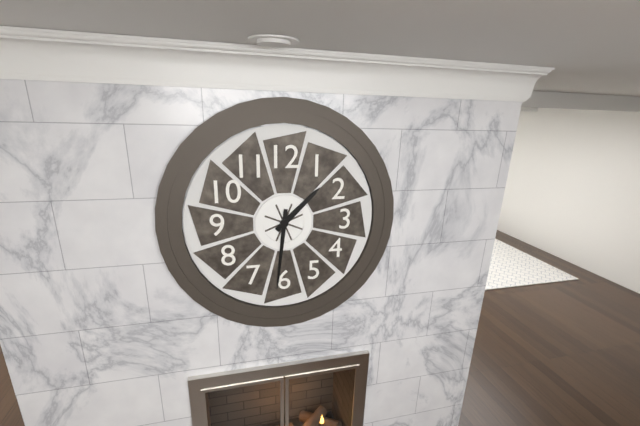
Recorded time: 1:31
